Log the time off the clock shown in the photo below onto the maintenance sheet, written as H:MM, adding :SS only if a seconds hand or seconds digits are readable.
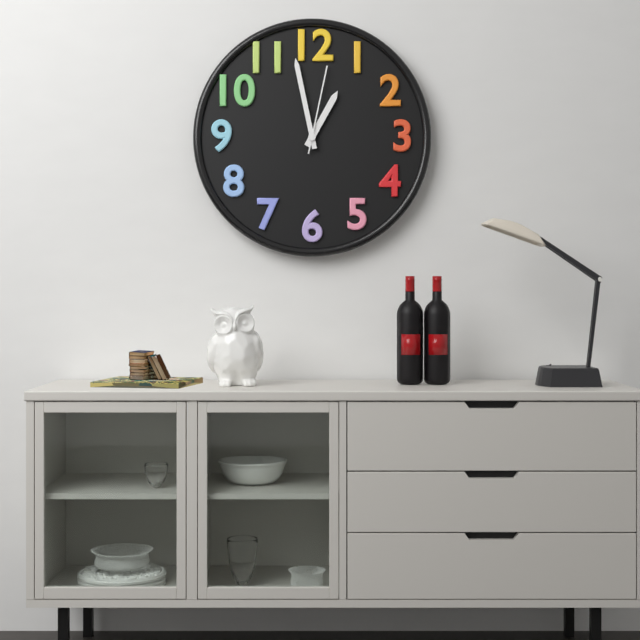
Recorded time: 12:58:02
